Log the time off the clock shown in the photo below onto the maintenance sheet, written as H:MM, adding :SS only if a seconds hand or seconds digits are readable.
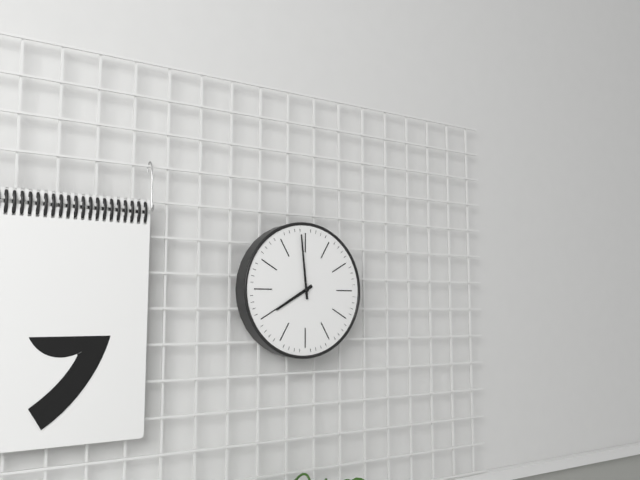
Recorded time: 7:59
